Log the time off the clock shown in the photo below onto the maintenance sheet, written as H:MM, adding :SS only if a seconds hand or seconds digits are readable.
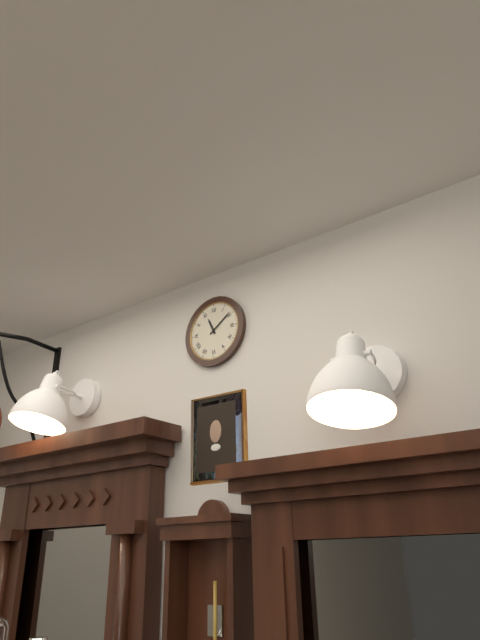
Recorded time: 11:09
